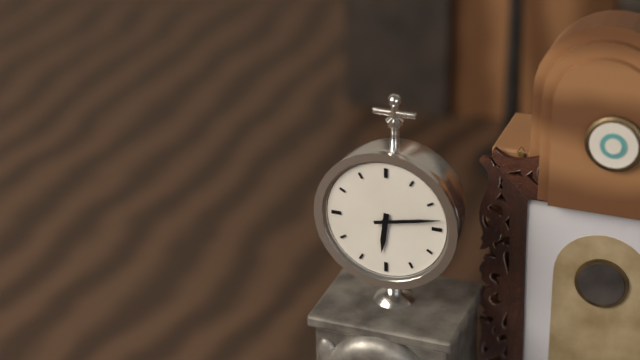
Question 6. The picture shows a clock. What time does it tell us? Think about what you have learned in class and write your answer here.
6:13
